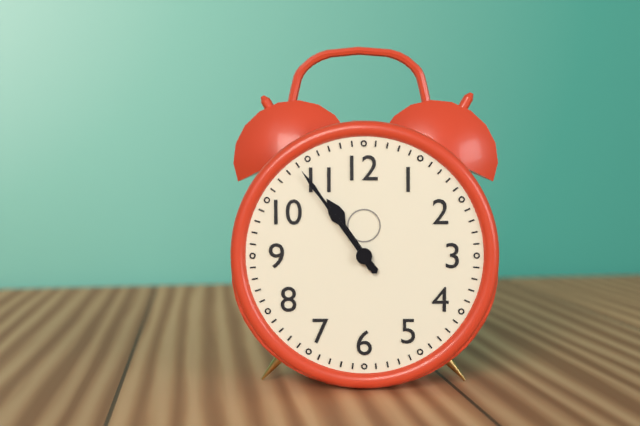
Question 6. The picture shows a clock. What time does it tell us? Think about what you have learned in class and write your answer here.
10:54
